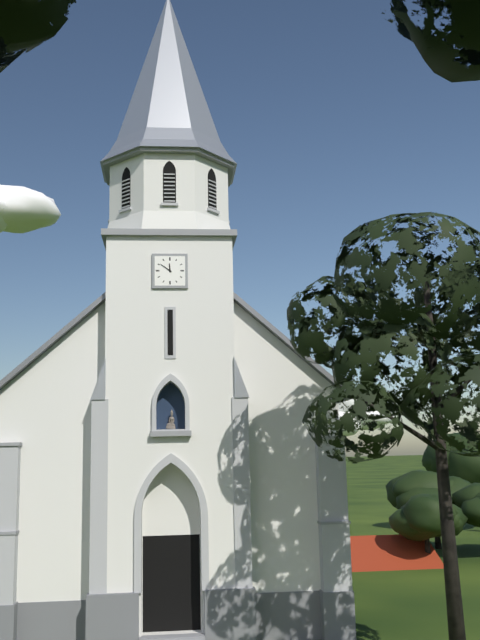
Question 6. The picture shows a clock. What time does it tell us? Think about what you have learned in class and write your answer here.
11:51
